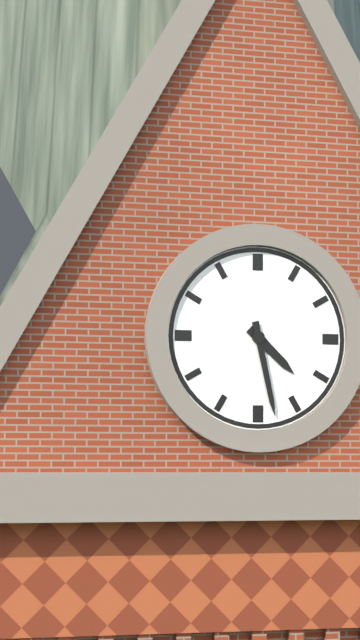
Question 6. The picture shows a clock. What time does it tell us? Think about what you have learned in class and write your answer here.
4:28
